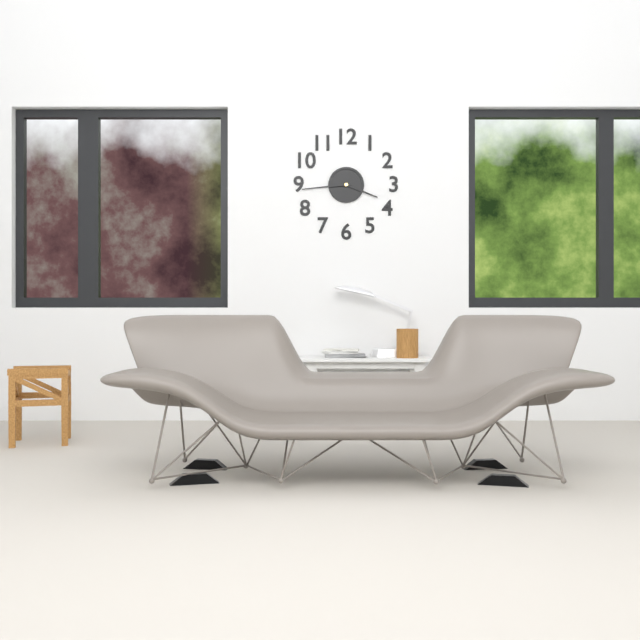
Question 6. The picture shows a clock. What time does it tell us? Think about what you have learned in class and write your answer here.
3:44
